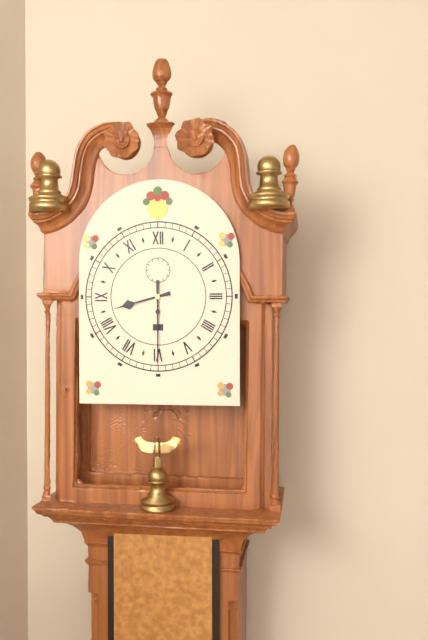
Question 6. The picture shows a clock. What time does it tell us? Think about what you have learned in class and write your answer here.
8:30
